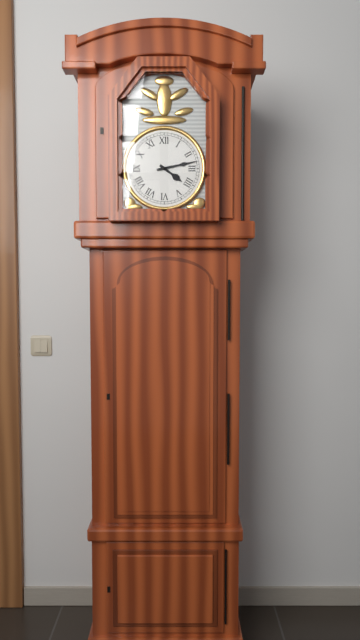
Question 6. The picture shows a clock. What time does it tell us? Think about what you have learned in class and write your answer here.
4:13
